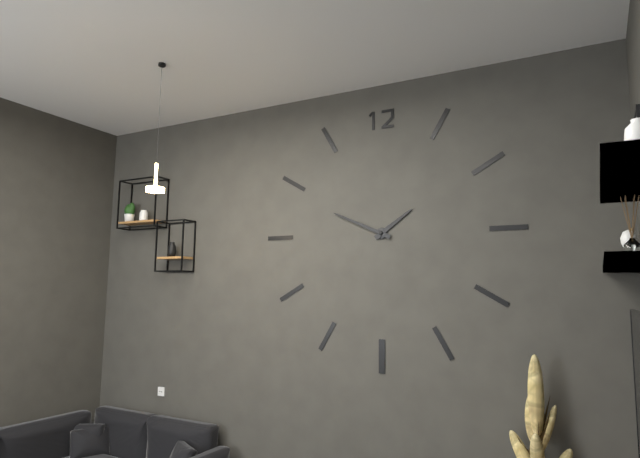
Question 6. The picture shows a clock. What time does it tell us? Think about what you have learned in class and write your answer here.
1:49
